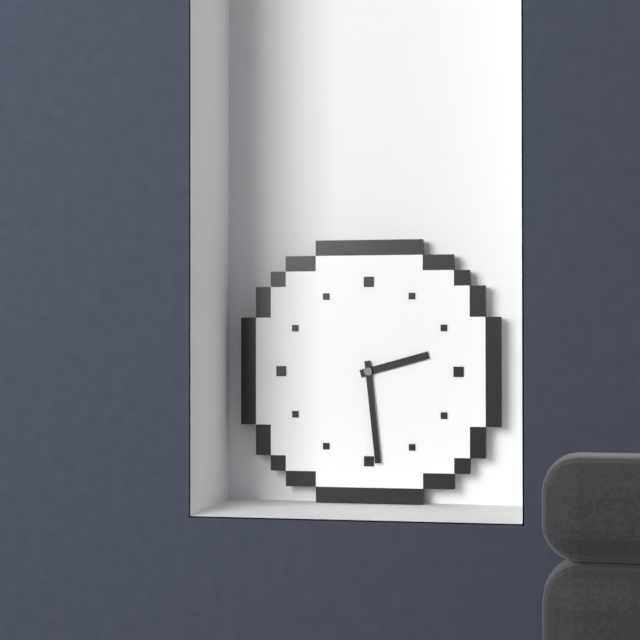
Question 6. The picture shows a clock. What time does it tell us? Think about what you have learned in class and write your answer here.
2:29
